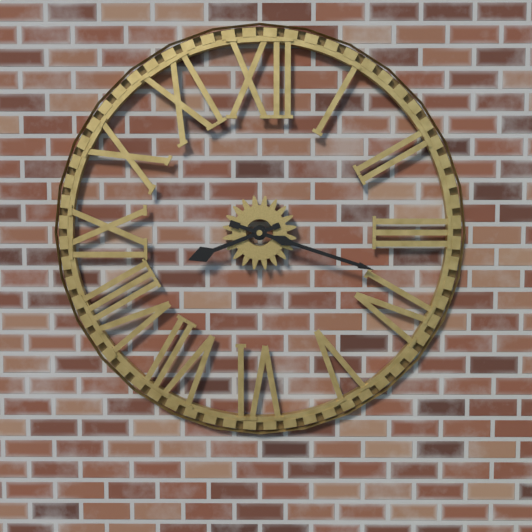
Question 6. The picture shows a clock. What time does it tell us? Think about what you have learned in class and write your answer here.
8:18
